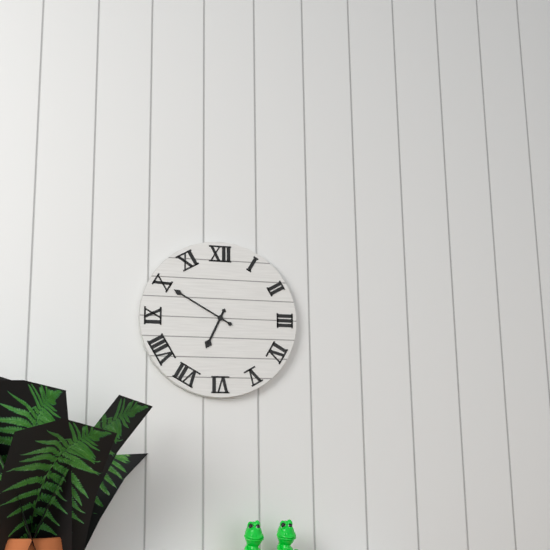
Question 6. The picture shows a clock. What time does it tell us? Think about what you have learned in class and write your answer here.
6:50
